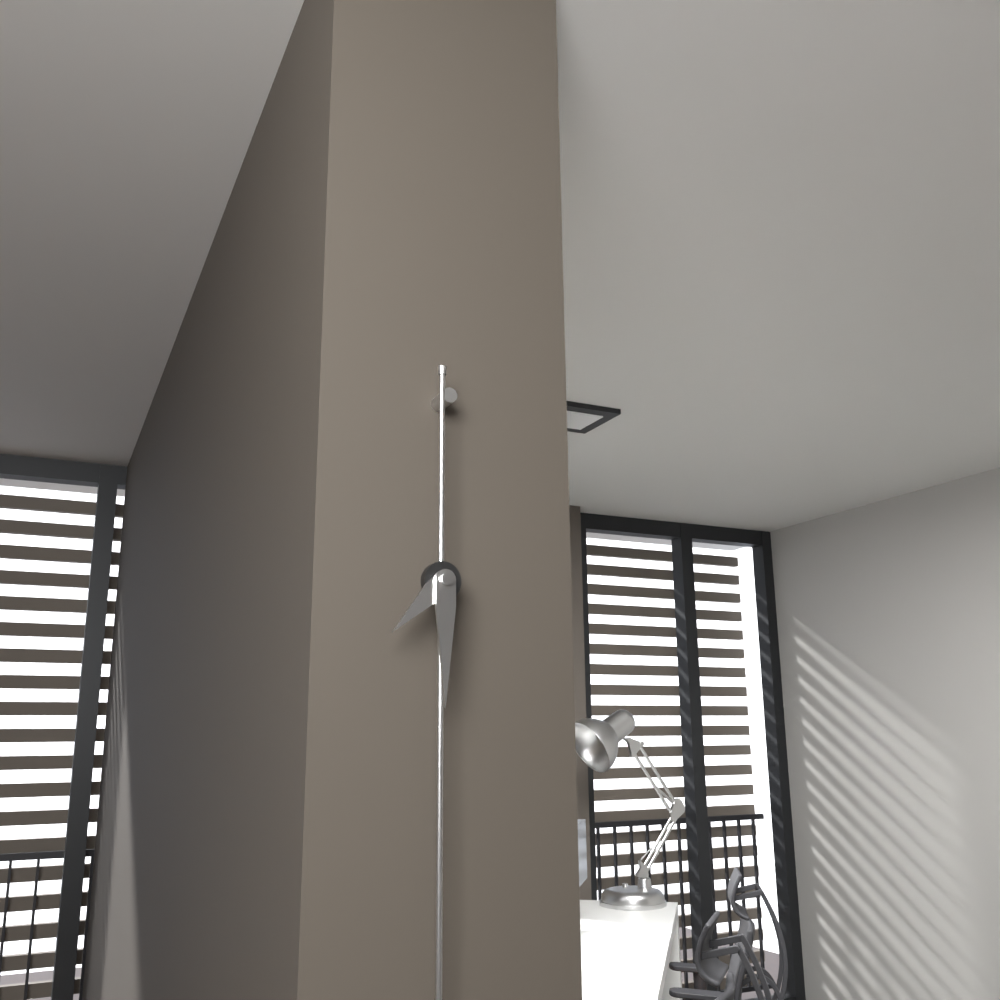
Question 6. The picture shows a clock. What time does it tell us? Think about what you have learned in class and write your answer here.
7:30
